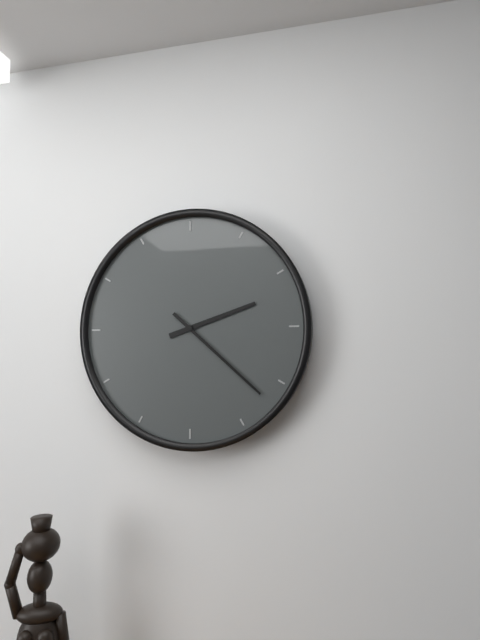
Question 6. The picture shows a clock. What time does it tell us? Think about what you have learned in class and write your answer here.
2:22
